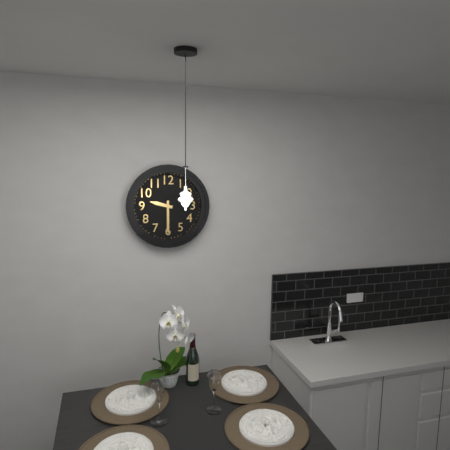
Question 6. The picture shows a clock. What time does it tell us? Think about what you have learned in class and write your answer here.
9:30
